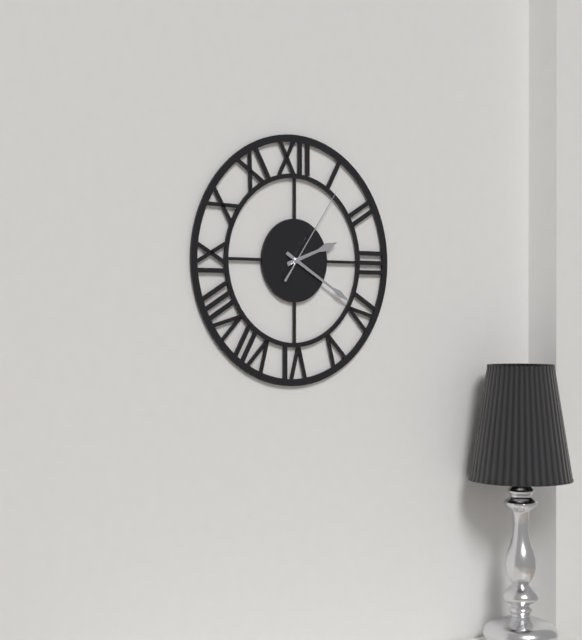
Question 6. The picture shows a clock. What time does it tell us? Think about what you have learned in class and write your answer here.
2:20:06
